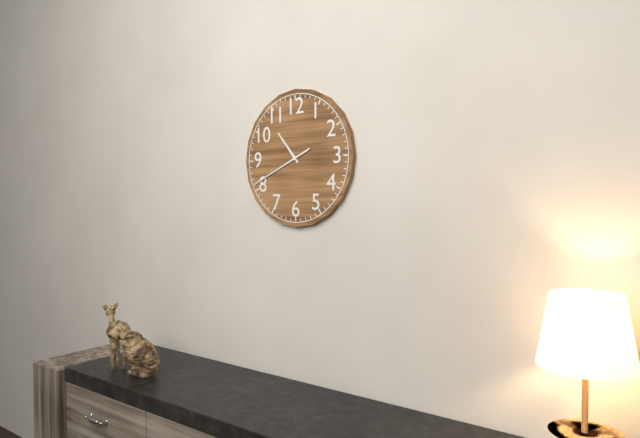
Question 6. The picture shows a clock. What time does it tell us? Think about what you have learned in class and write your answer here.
10:41
